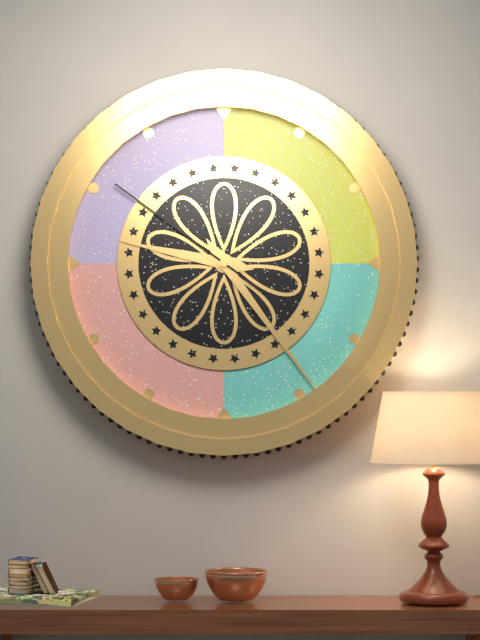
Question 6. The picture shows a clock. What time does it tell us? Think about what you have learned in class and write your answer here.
9:24:51
